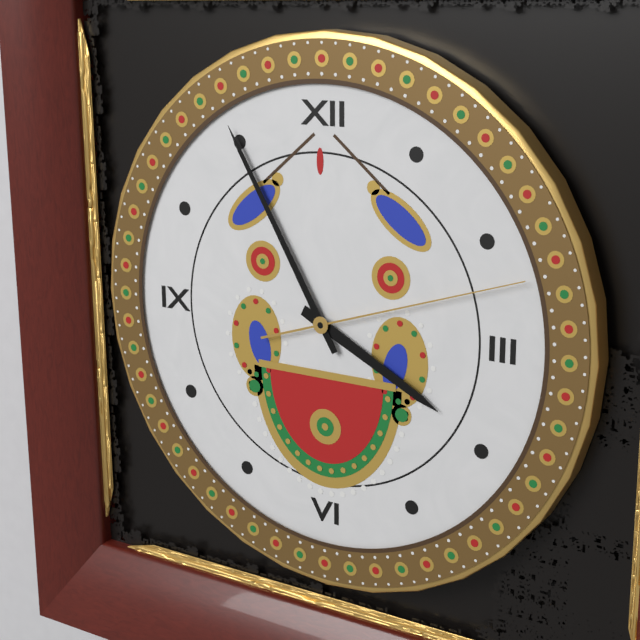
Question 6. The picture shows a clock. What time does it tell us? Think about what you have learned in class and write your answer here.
3:55:12
